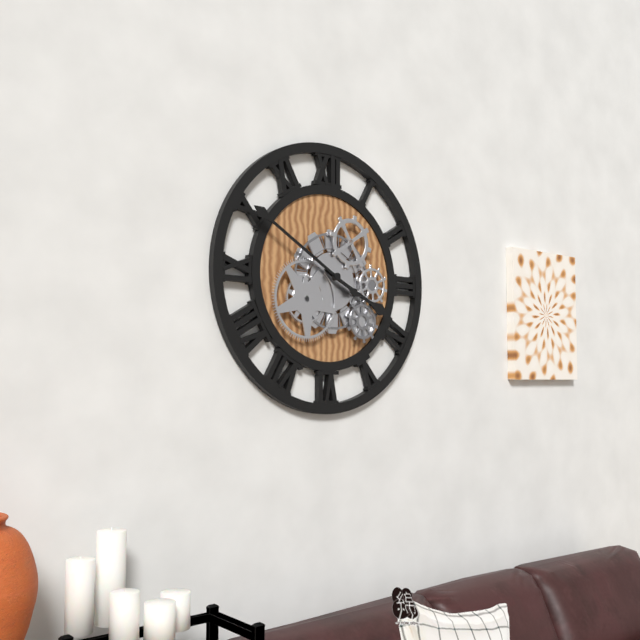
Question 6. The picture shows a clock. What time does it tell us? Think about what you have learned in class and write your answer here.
3:50
